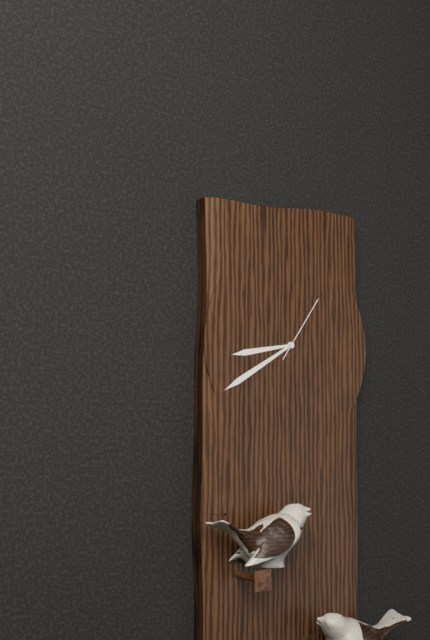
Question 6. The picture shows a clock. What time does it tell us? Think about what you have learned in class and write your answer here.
8:40:06
